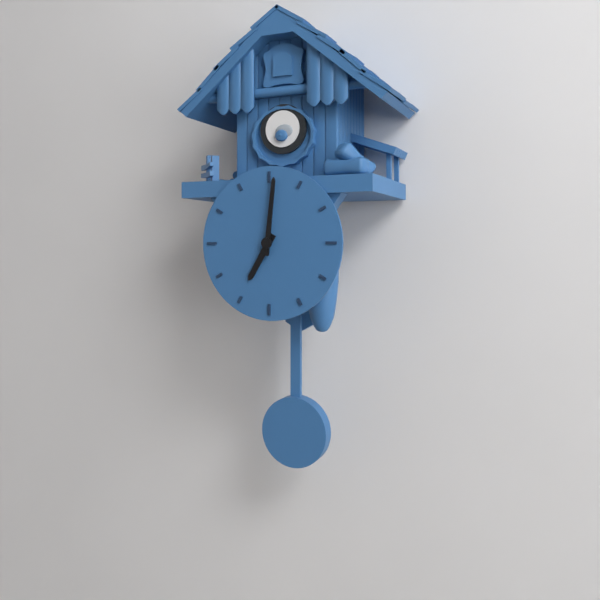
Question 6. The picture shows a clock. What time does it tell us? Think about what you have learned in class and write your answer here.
7:01
